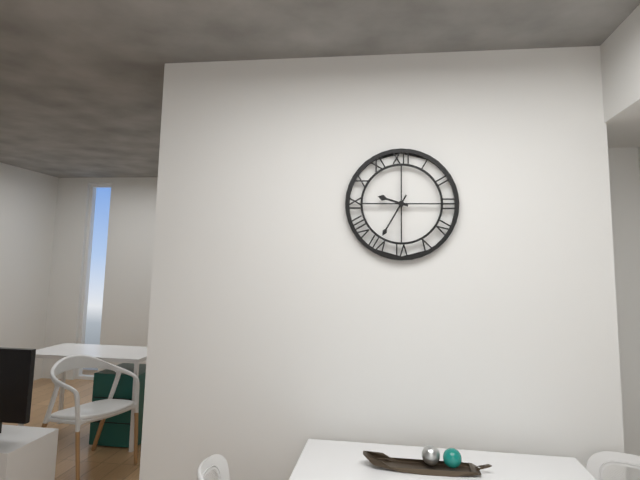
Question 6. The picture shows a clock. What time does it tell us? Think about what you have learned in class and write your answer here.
9:35
